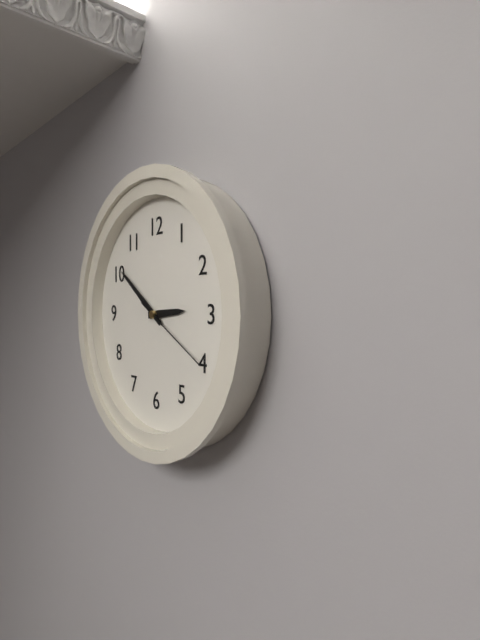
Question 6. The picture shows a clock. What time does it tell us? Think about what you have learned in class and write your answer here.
2:51:20
